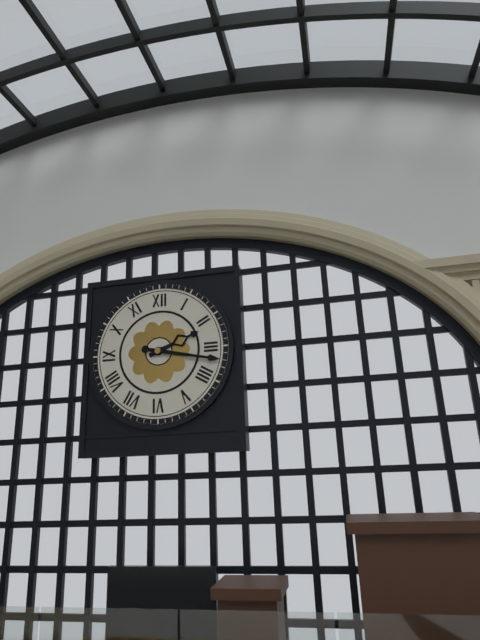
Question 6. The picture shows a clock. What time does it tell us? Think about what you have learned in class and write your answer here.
2:17
